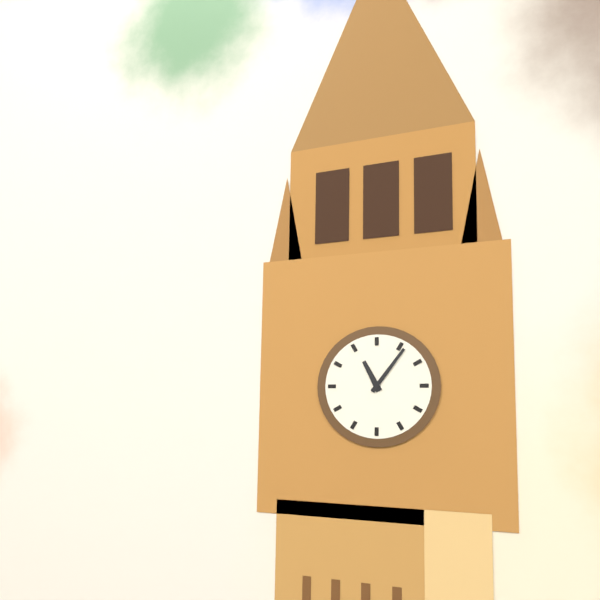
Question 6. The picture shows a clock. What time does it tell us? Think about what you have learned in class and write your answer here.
11:06
